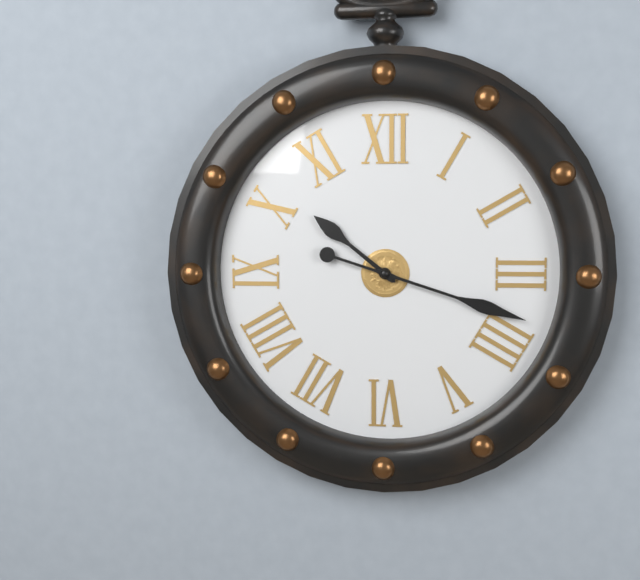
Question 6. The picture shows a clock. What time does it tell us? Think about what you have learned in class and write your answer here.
10:18
